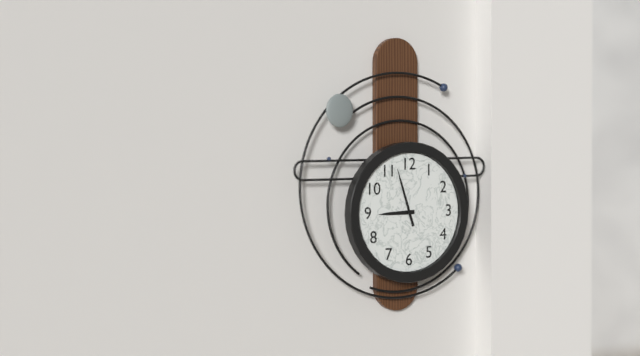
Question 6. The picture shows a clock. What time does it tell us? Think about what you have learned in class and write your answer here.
8:57
